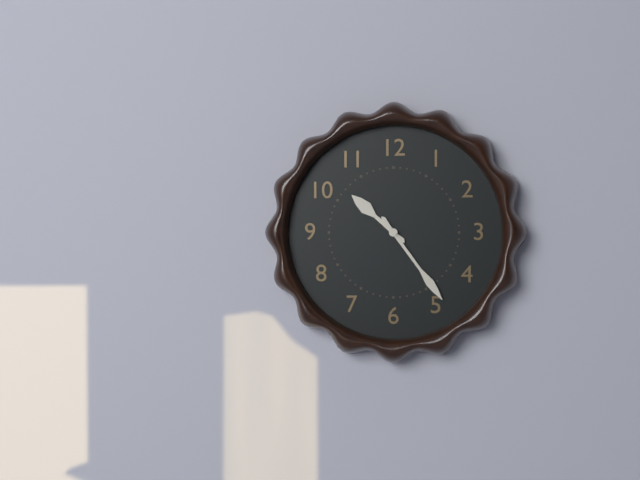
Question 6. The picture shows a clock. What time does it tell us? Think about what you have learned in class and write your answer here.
10:24
